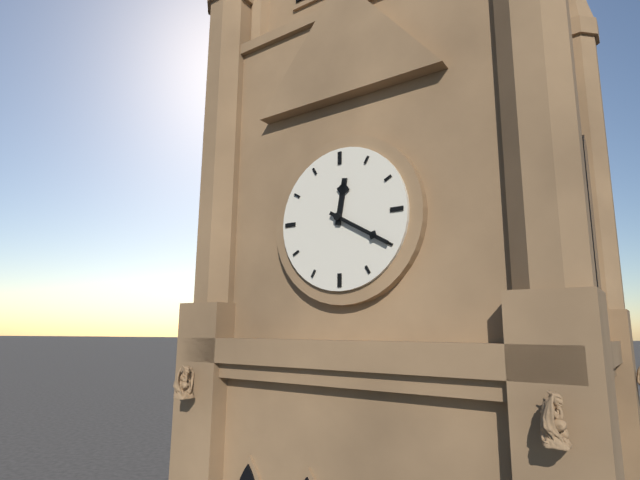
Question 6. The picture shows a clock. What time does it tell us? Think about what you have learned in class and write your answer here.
12:20
